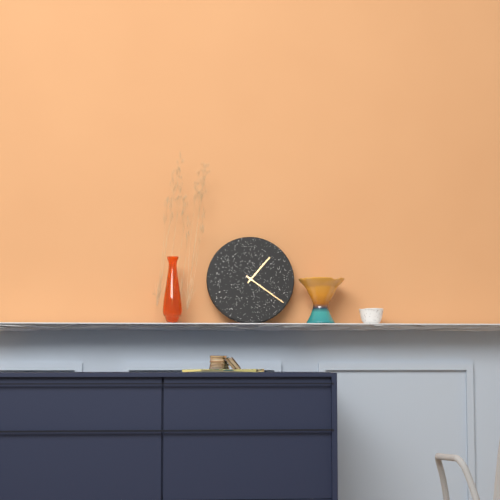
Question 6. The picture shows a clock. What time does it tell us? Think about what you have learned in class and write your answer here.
1:21
